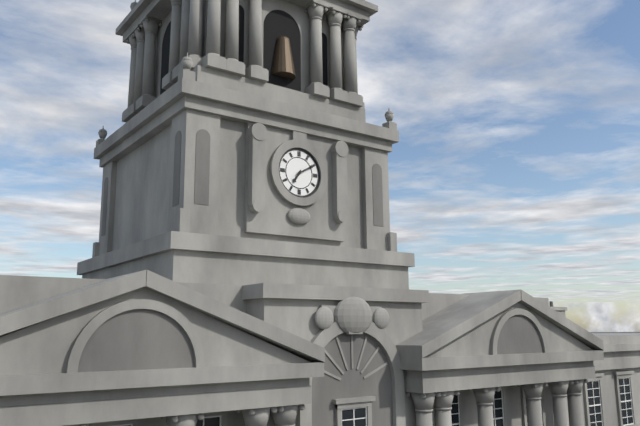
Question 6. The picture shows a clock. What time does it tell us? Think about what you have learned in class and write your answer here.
7:10
